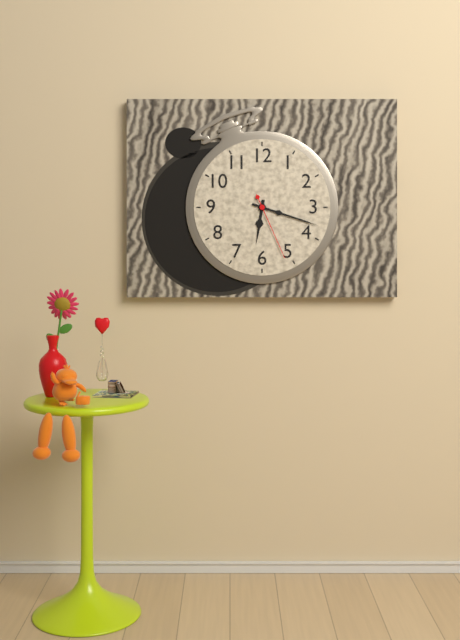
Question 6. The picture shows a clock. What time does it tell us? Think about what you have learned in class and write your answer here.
6:18:26
